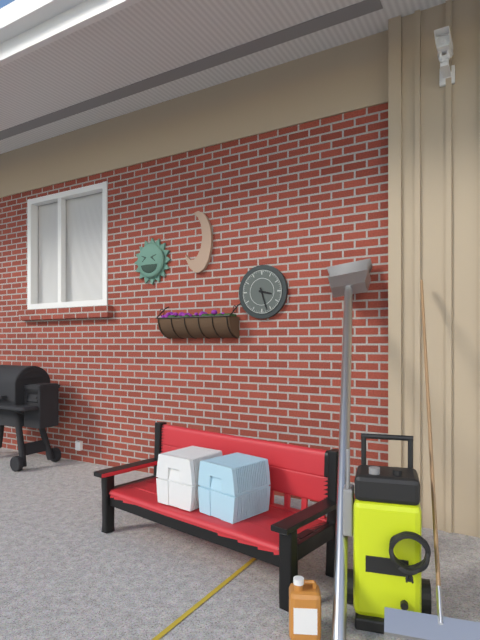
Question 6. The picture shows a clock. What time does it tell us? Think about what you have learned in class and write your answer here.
3:27
